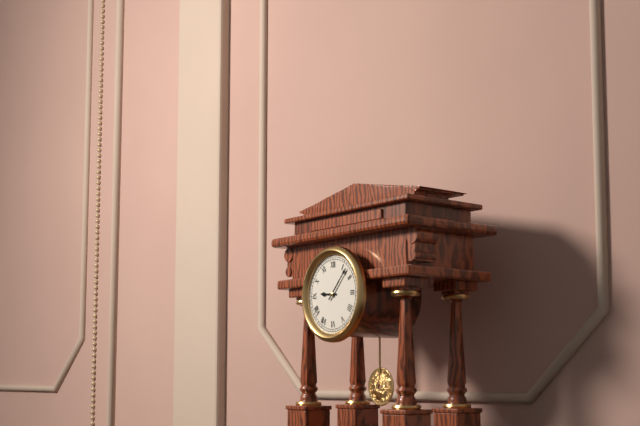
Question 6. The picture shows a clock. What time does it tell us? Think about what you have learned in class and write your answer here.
9:07
